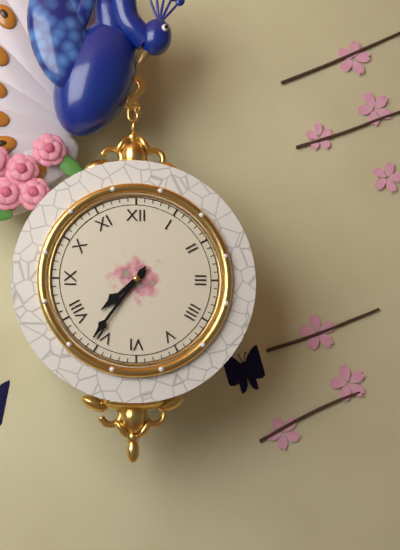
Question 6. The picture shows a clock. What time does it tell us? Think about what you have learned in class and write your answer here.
7:36
